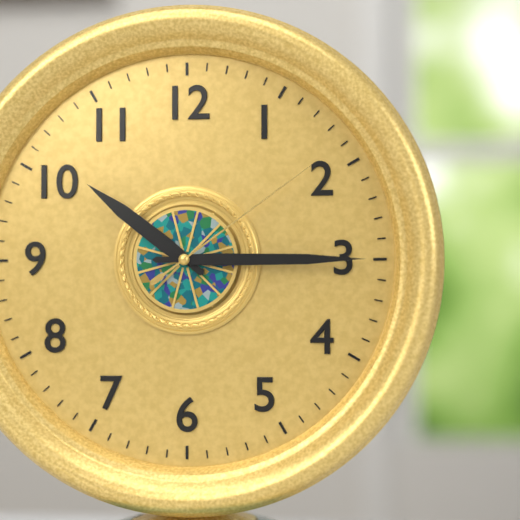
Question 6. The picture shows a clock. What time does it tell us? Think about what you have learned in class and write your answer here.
10:15:09
